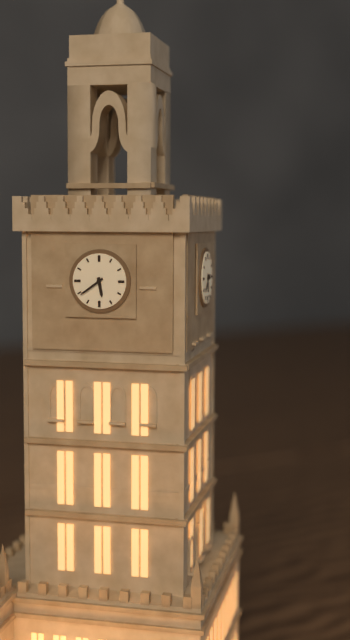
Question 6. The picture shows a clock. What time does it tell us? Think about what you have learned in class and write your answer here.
5:39
